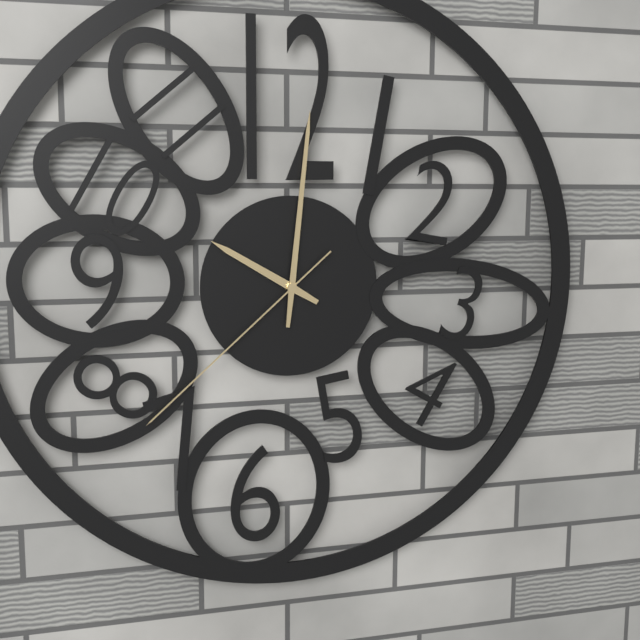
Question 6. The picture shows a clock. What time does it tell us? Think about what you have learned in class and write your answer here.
10:01:38
